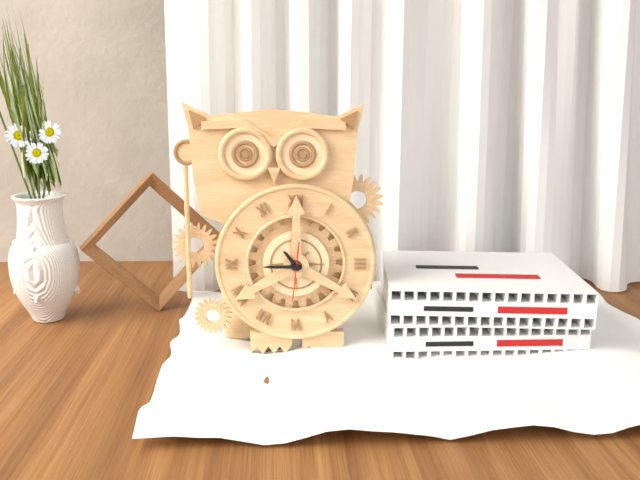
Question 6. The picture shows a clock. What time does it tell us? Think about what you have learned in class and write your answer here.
10:45
